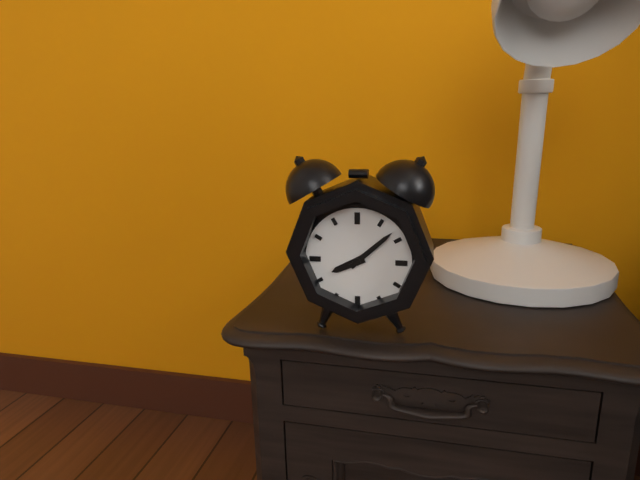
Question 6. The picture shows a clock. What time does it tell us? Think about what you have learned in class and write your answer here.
8:08
